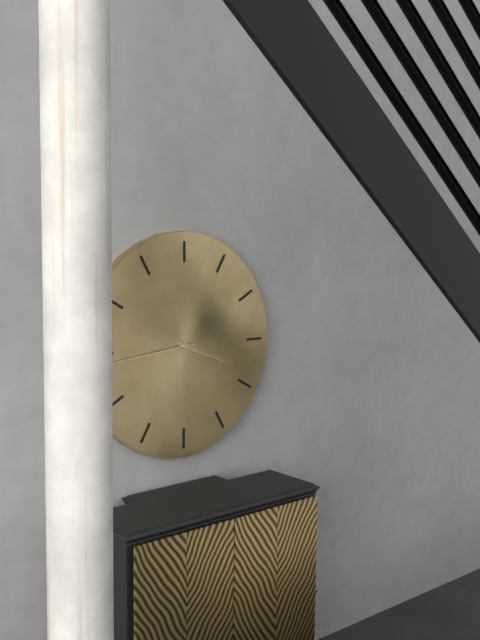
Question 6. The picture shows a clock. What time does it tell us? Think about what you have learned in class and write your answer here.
3:44
